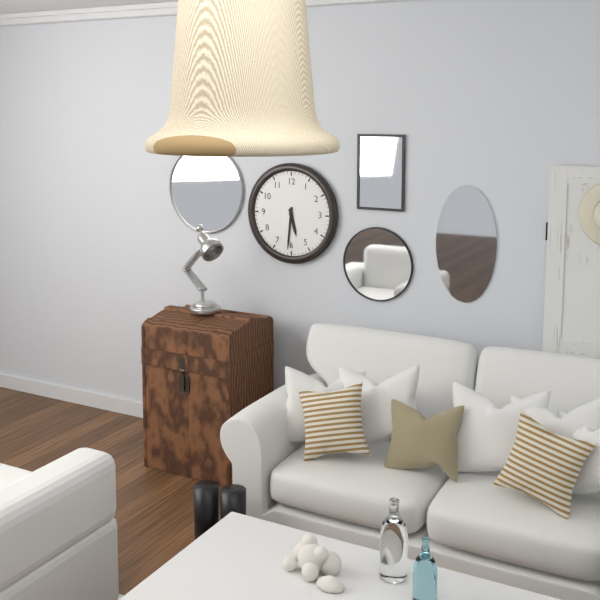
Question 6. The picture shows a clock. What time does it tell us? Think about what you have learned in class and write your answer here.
5:31
